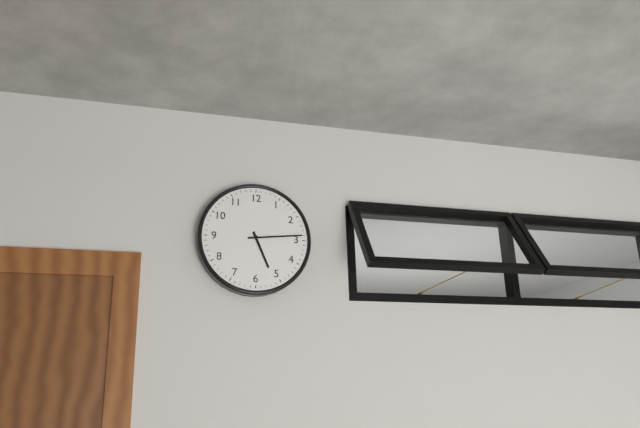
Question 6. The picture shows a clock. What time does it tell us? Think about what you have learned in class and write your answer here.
5:14
